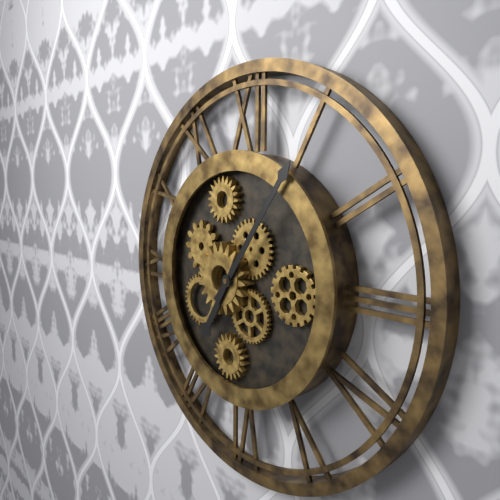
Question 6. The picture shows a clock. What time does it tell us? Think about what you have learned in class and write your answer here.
7:06
